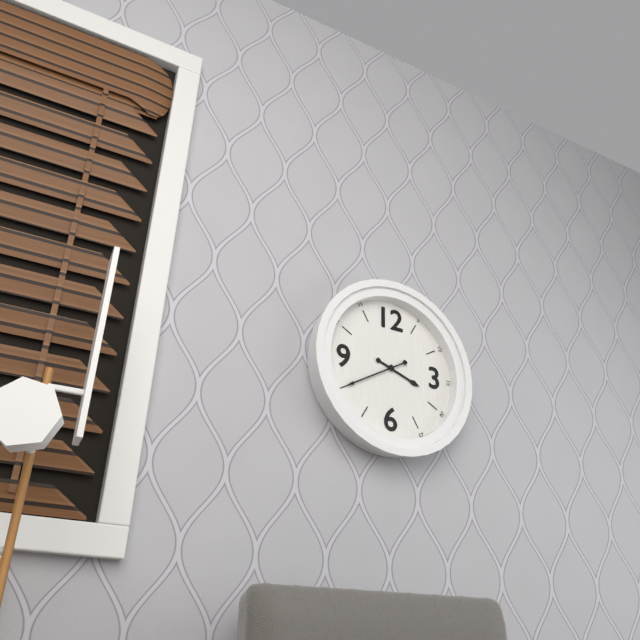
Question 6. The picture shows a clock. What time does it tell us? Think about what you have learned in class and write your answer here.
3:40
